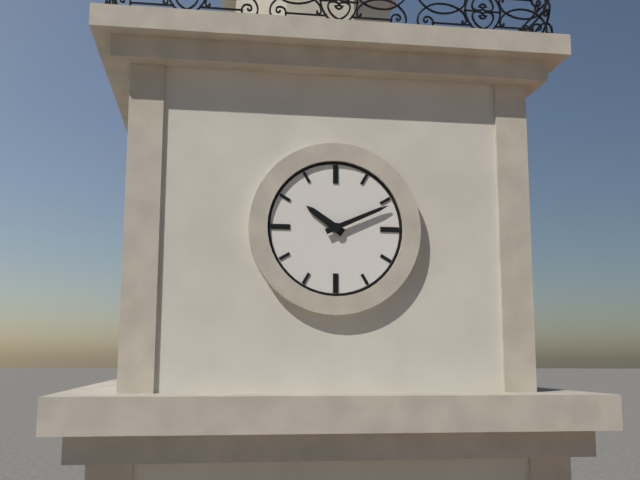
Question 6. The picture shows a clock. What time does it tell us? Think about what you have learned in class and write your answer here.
10:11
